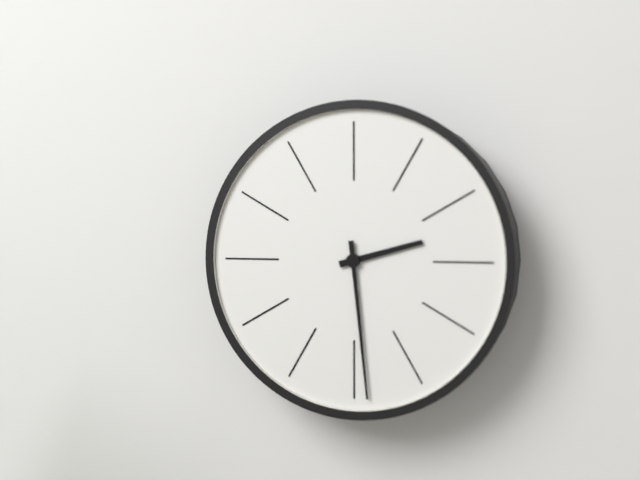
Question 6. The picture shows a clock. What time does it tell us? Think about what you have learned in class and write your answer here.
2:29
